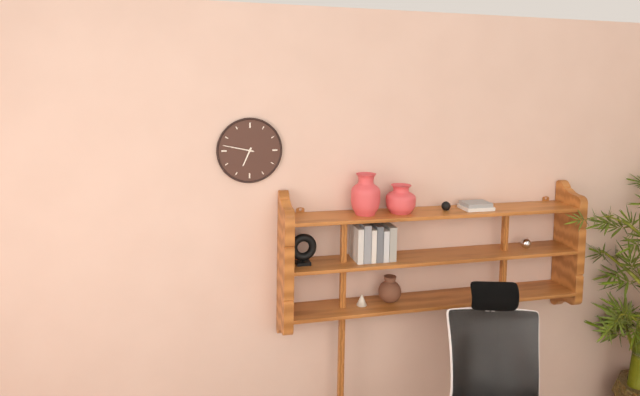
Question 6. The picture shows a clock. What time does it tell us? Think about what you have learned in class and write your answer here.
6:47
